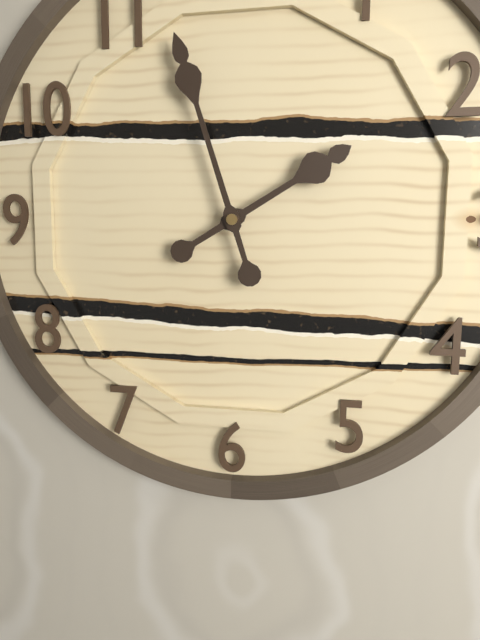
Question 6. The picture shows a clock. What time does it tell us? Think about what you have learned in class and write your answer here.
1:57
